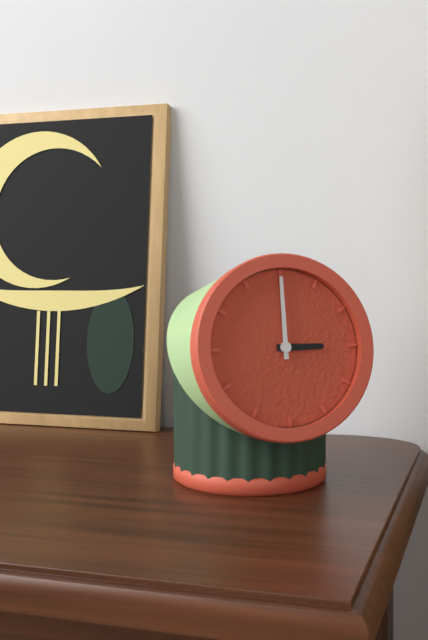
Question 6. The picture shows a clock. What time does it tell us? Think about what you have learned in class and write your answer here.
3:00
